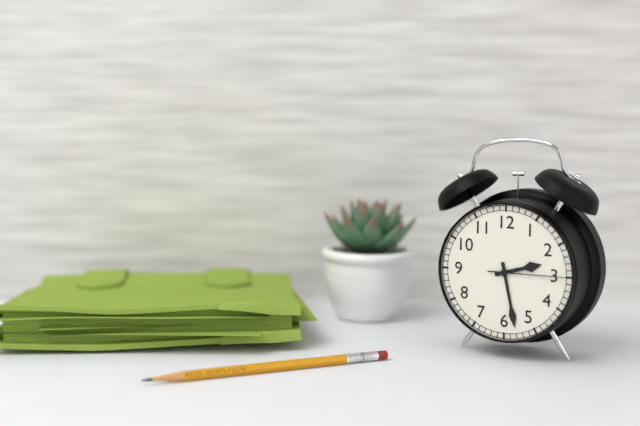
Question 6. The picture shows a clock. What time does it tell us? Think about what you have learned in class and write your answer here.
2:28:15
